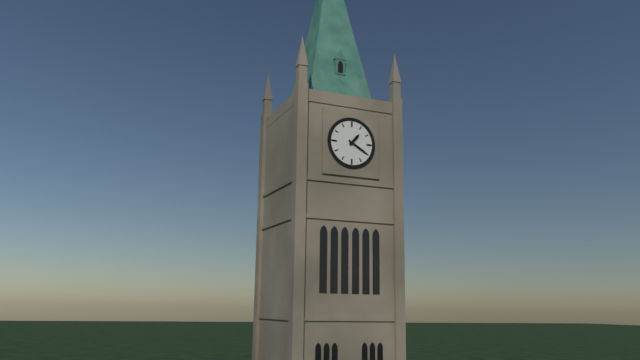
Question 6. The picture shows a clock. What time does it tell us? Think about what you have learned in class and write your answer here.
1:20
